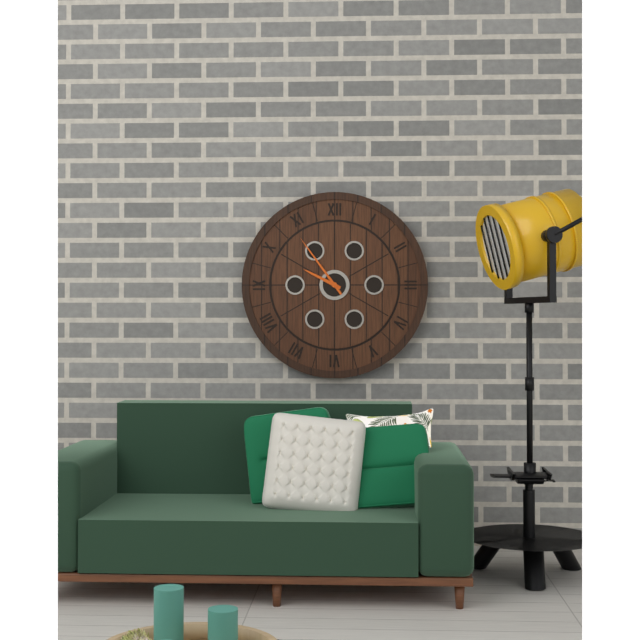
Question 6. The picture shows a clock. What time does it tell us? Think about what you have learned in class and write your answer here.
9:54
